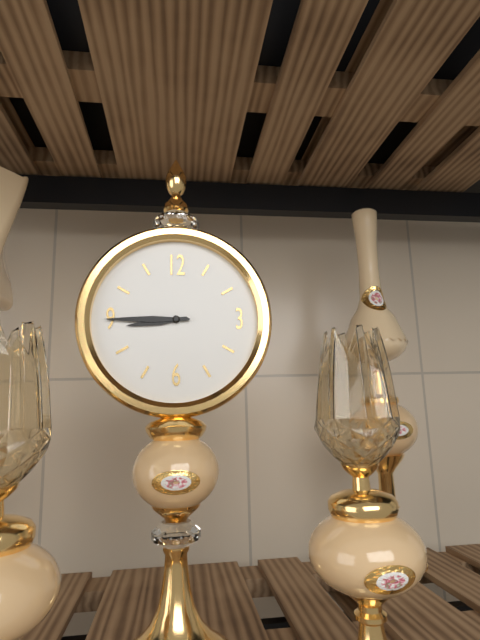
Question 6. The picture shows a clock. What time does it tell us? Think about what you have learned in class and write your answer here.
8:45
